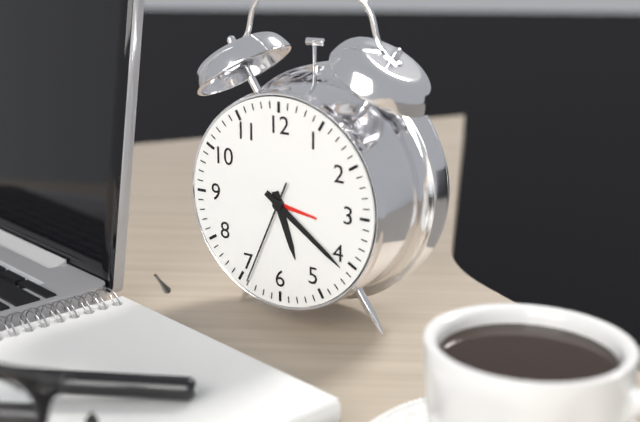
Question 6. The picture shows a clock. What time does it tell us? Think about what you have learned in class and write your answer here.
5:21:34
